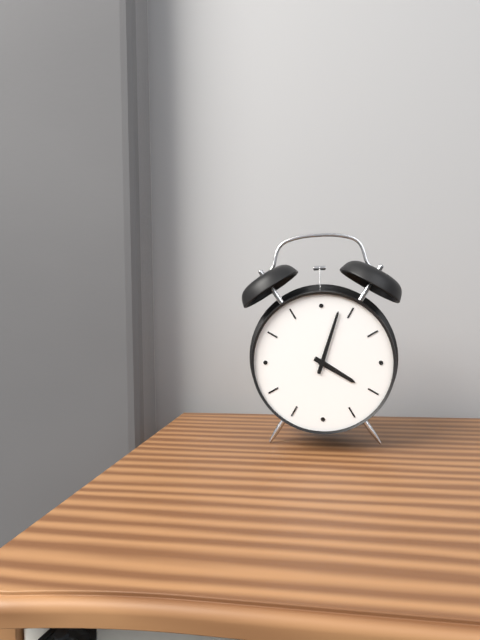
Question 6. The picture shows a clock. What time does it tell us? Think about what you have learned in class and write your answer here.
4:03
